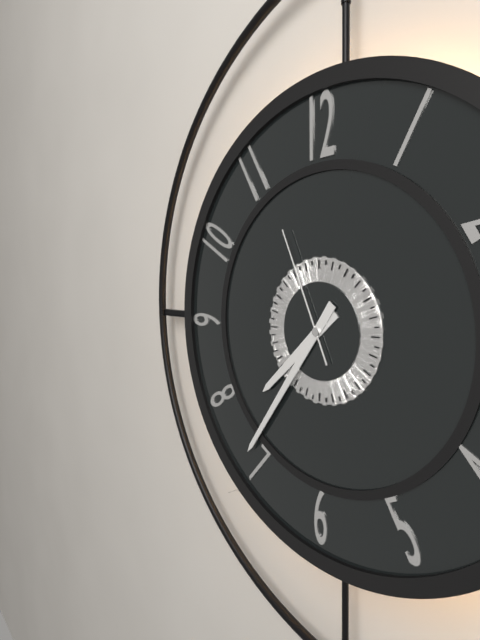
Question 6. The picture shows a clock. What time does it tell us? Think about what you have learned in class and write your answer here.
7:36:56
